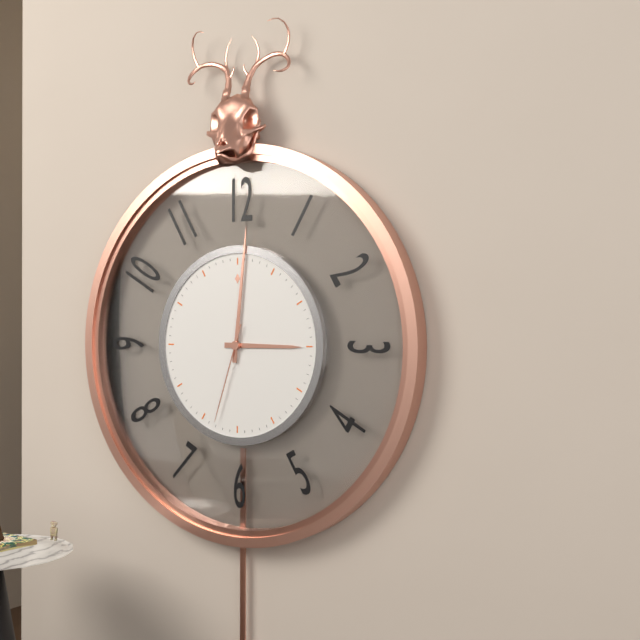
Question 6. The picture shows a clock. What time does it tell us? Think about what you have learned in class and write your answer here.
3:01:33
